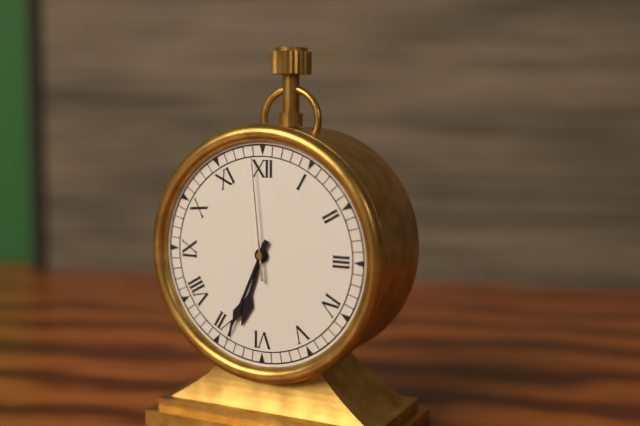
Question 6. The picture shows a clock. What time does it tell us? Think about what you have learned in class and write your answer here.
6:34:59
